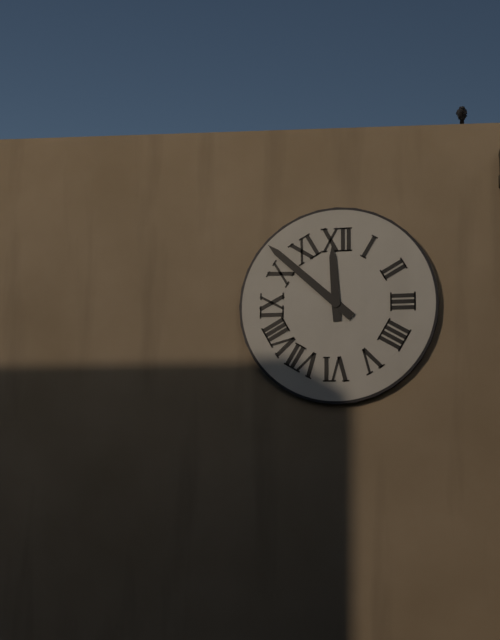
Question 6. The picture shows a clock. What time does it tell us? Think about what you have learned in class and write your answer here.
11:52
